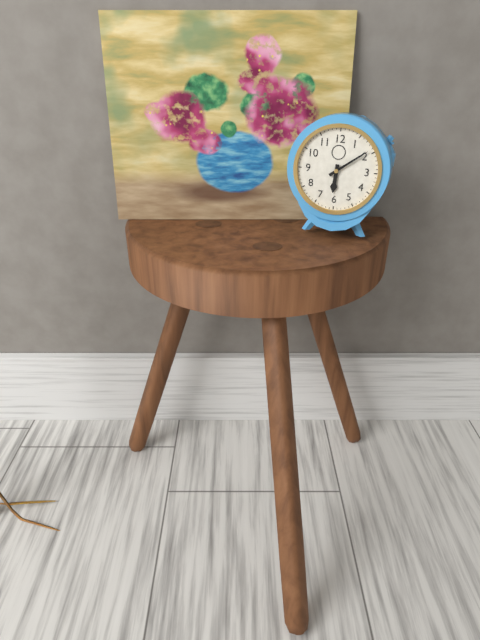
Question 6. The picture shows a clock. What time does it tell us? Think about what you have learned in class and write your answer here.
6:09
